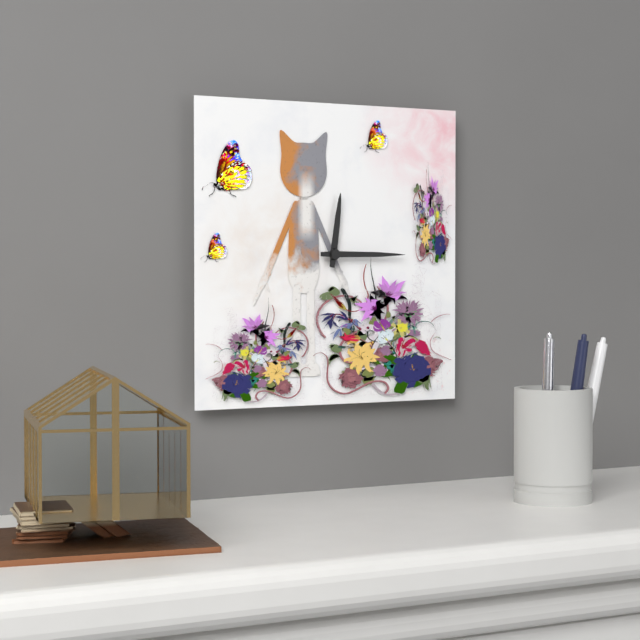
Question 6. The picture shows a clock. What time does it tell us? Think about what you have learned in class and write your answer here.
12:15
